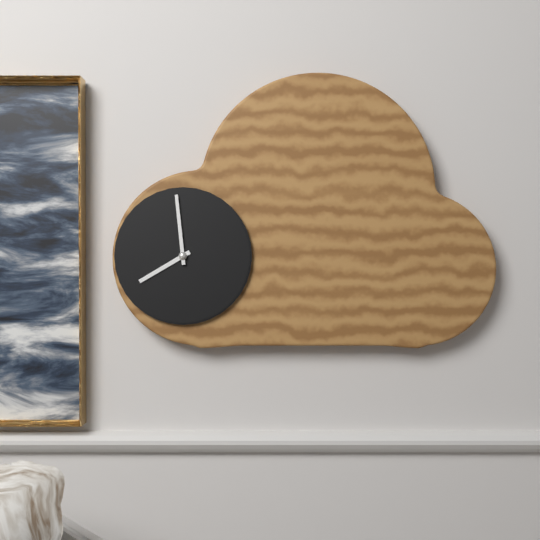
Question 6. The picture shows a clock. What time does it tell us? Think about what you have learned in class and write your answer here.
7:59
